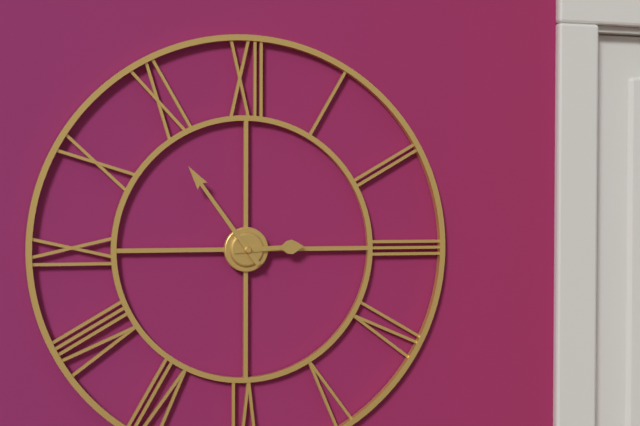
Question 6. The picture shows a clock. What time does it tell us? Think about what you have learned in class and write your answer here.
2:54
